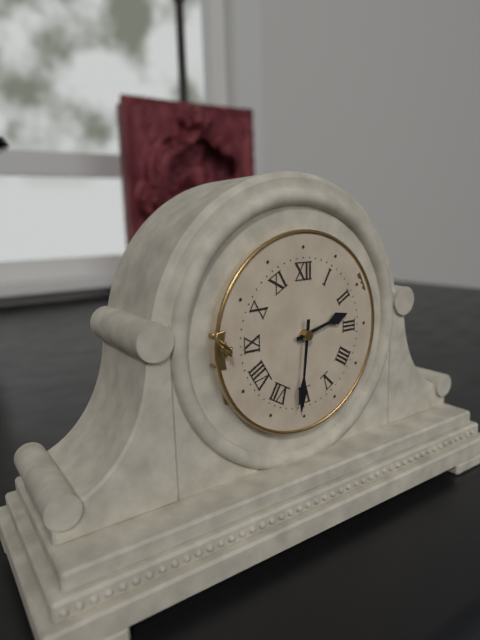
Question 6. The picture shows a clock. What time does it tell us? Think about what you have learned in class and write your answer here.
2:31
